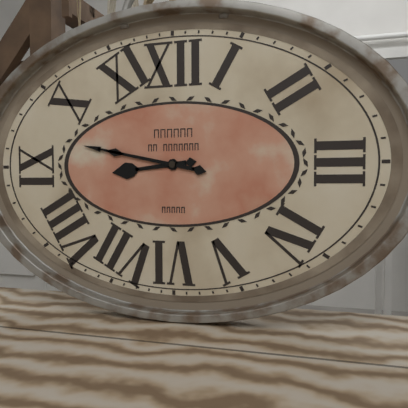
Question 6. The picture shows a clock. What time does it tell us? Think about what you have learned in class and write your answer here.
8:47
